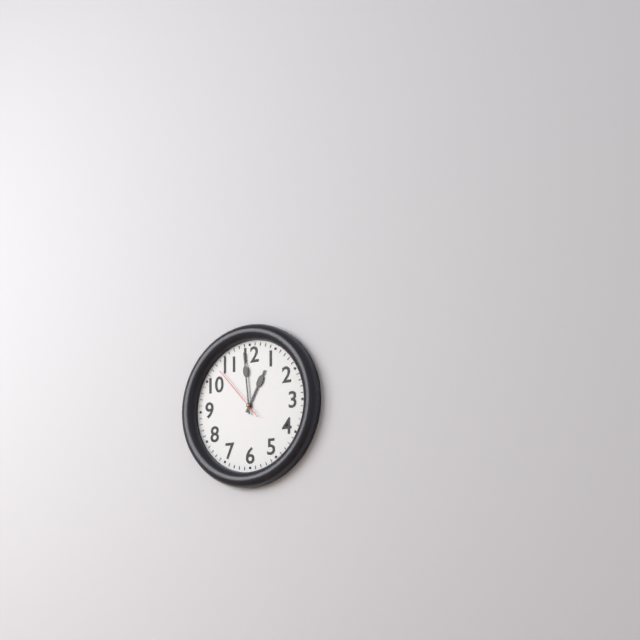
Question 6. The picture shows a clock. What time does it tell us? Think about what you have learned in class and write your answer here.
12:59:53
